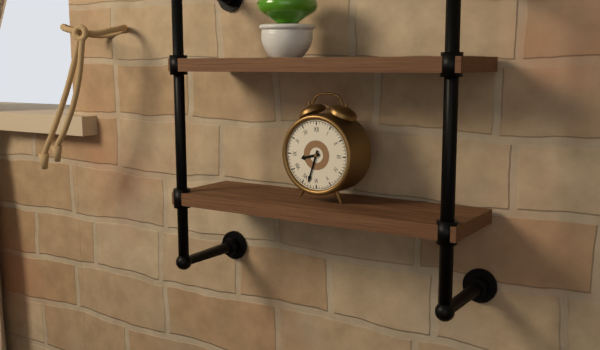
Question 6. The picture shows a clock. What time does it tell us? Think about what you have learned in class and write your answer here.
8:33
